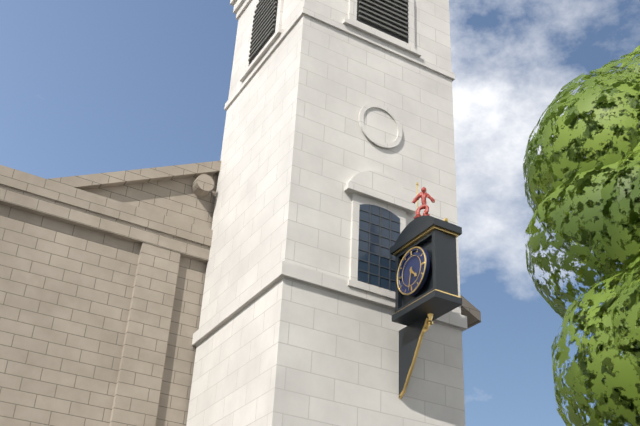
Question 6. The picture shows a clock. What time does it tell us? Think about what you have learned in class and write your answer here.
4:32
